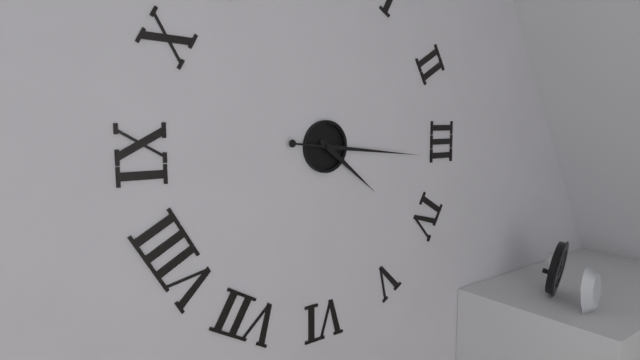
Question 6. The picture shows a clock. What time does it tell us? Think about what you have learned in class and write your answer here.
4:16
